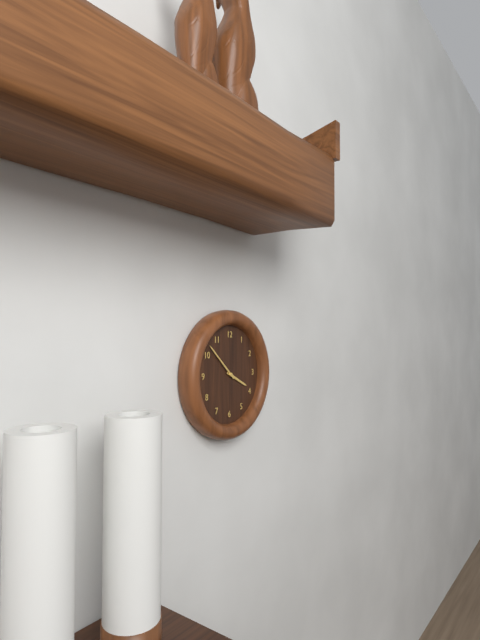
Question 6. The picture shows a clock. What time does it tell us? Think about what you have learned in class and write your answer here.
3:52
